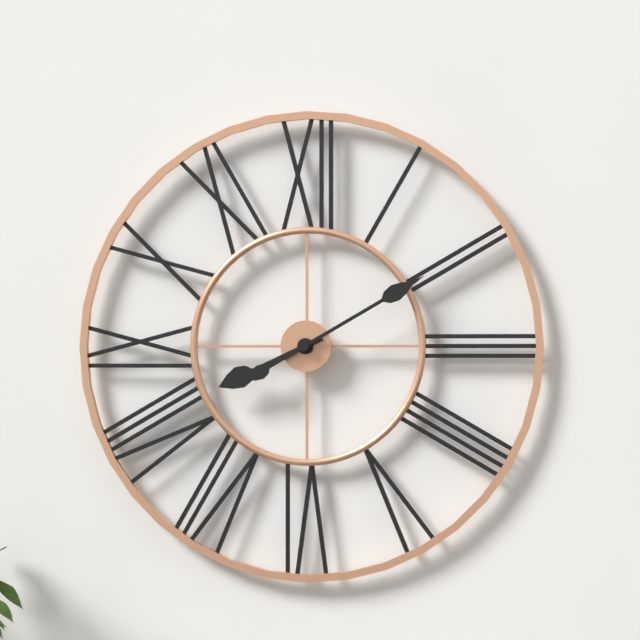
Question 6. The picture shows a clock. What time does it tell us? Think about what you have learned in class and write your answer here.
8:10
